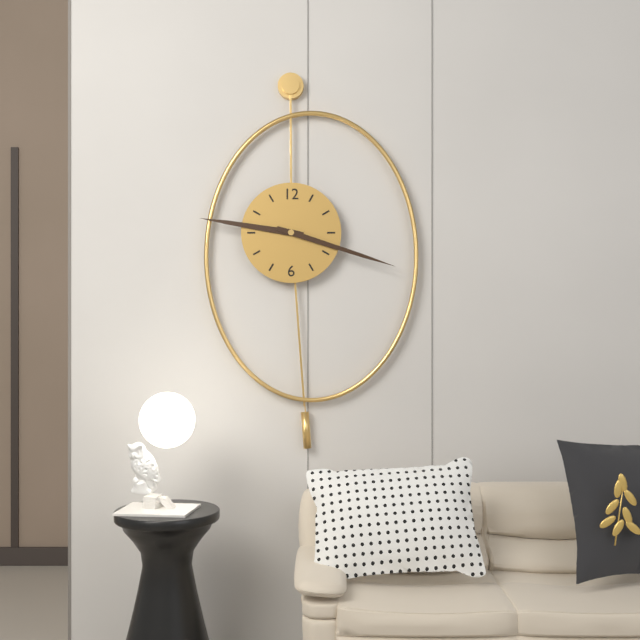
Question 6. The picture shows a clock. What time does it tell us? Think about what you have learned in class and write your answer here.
9:18
